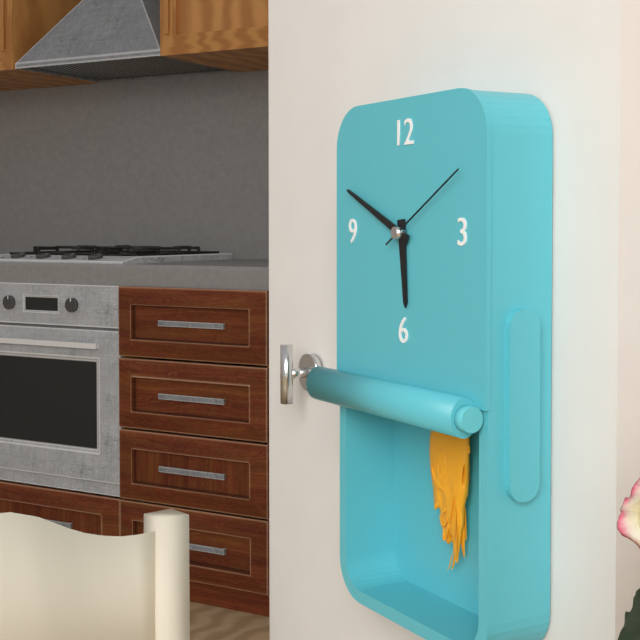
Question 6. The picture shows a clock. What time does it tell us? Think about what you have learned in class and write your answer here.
5:49:10
